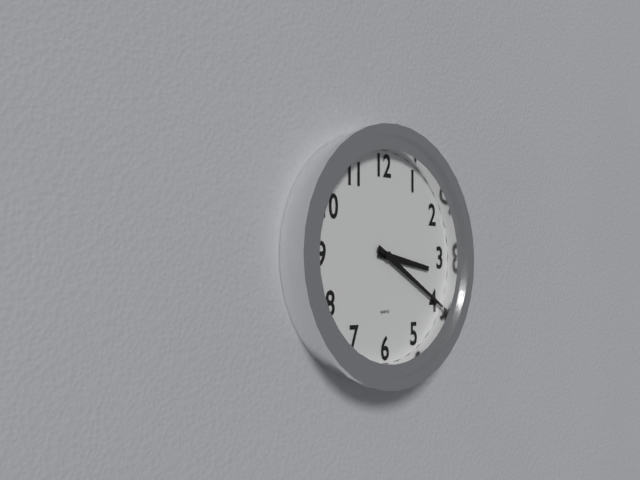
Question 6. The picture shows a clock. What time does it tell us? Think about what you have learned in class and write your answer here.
3:20
